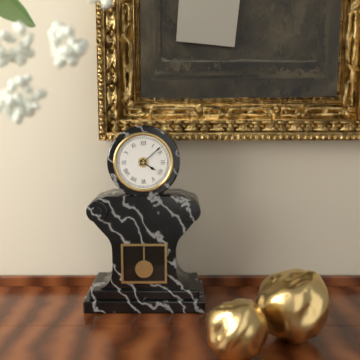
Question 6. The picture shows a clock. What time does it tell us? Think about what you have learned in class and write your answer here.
4:08
